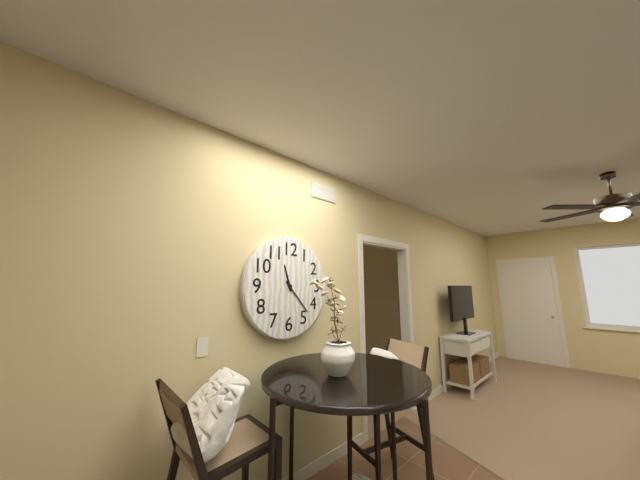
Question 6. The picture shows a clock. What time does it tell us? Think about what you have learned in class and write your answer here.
11:23
